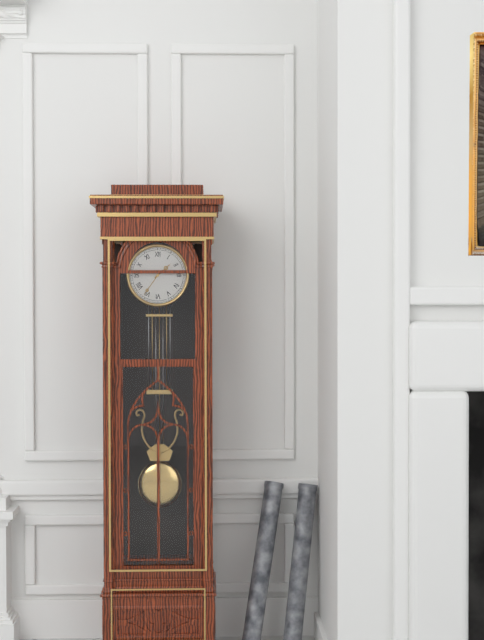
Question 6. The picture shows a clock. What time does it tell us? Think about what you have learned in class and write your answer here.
1:36
